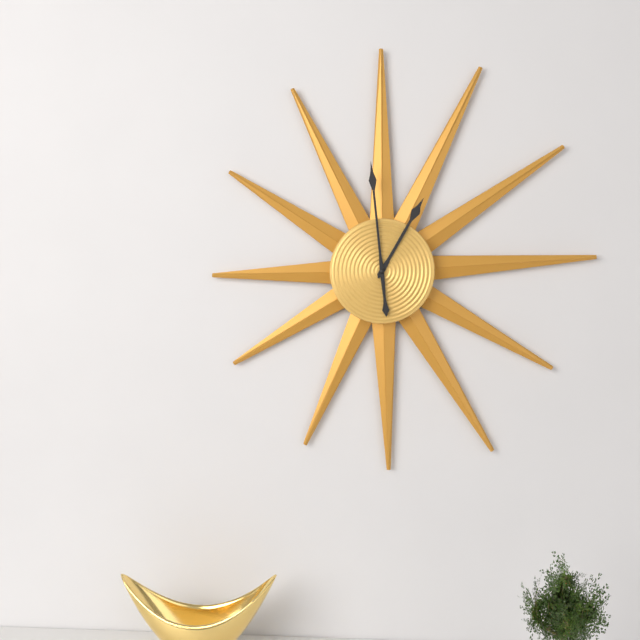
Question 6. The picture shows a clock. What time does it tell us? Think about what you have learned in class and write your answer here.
12:59
